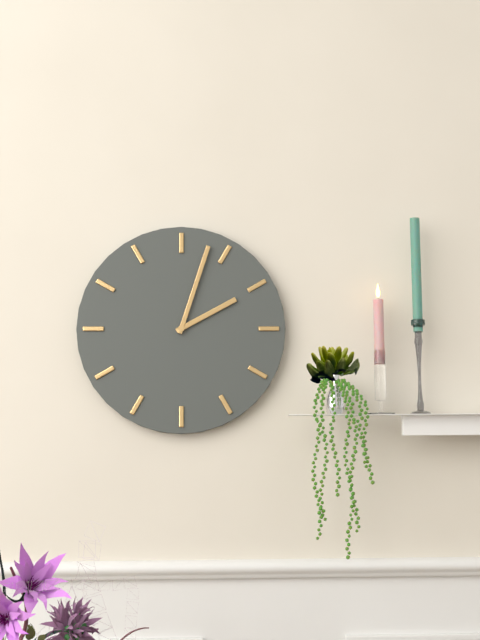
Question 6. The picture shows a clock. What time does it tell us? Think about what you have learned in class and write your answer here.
2:03
